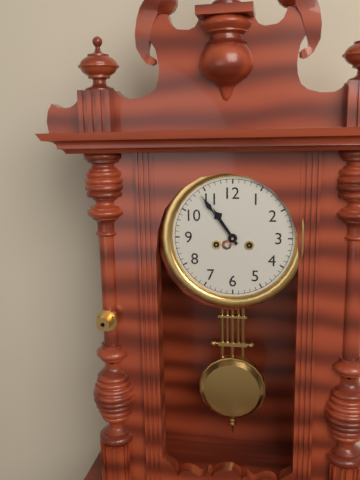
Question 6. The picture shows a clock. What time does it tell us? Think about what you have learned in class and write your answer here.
10:54
